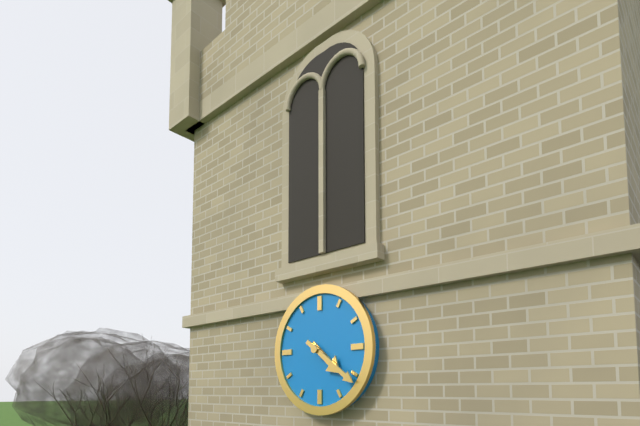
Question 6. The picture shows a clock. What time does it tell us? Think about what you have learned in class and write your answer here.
4:21
